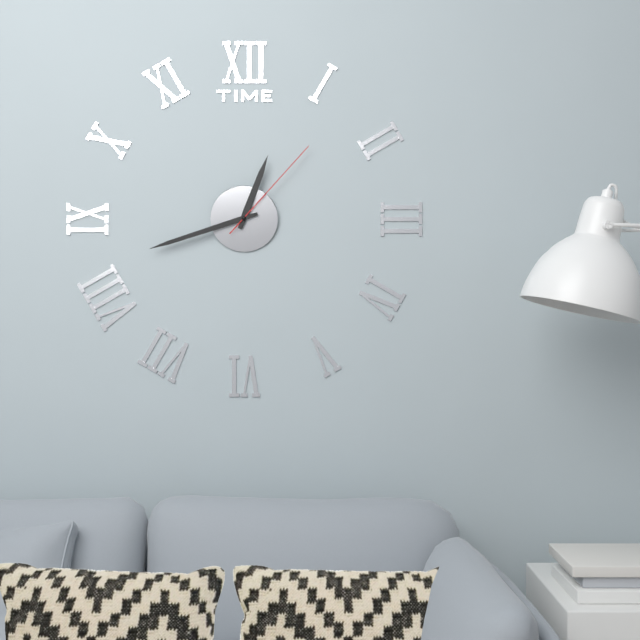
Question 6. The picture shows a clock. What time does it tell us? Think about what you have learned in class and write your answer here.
12:42:07
